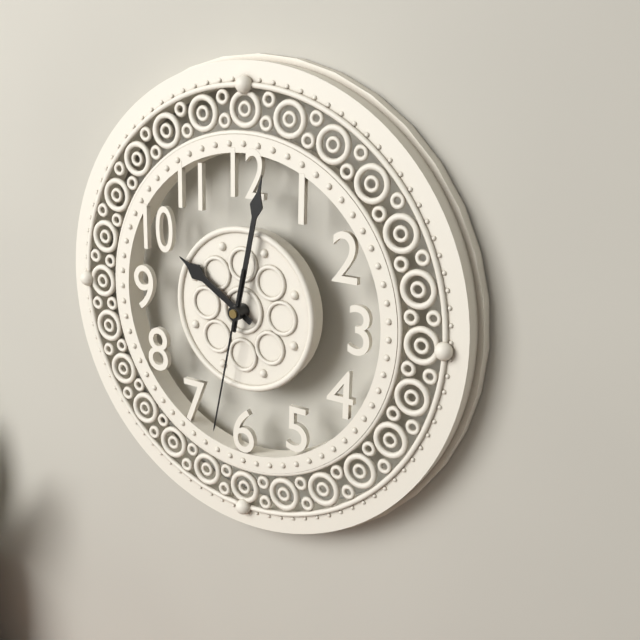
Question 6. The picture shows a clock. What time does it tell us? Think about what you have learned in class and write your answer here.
10:02:32
